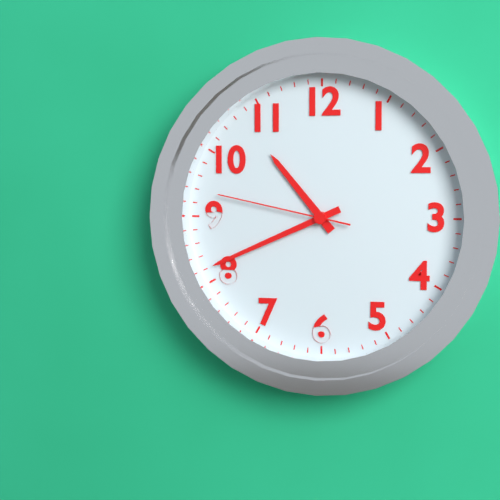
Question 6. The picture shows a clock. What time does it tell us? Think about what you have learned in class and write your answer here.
10:41:47
